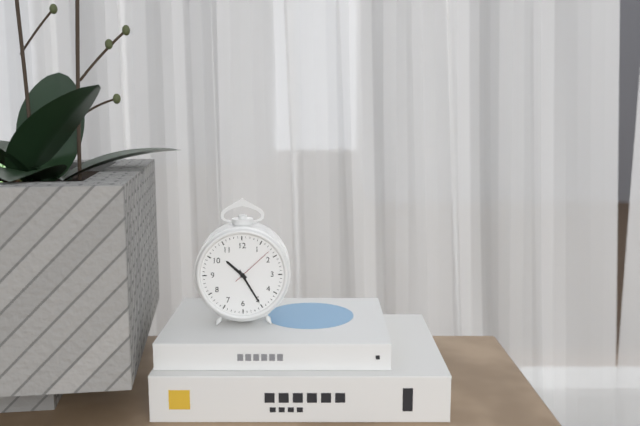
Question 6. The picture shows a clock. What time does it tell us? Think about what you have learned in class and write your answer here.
10:25
